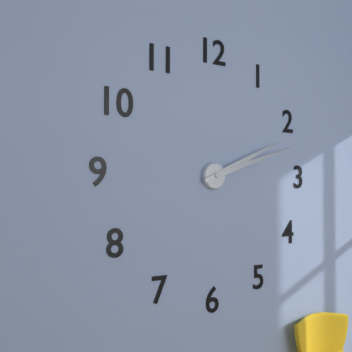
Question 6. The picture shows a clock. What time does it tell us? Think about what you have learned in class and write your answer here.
2:12
